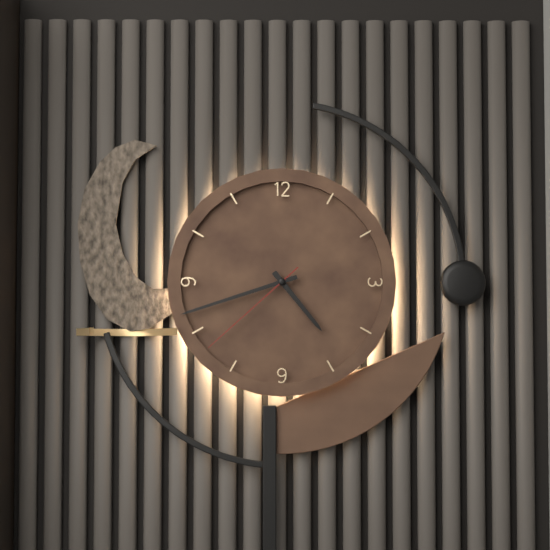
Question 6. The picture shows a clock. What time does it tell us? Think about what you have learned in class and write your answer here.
4:42:38
